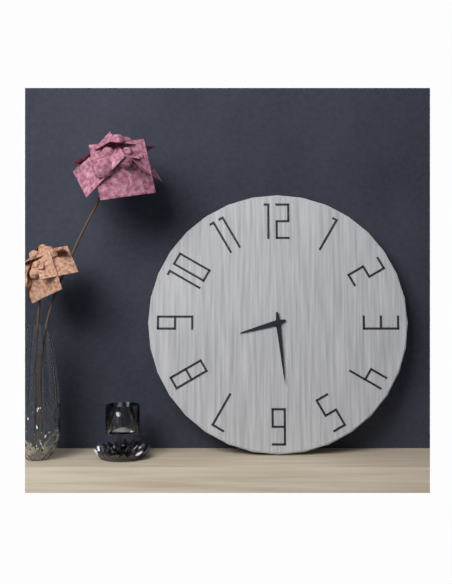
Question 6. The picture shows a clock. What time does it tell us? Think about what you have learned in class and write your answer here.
8:29
